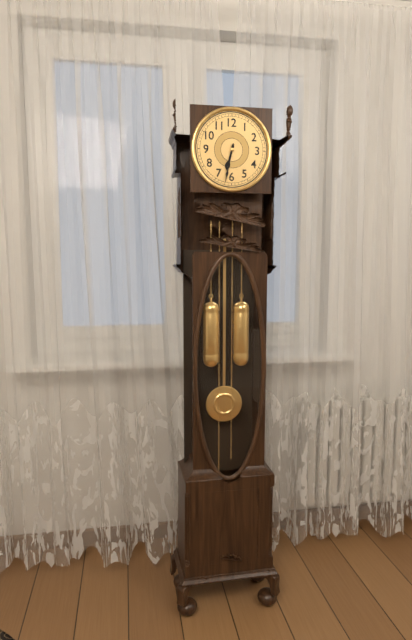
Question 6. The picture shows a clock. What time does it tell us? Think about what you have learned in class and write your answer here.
6:32
